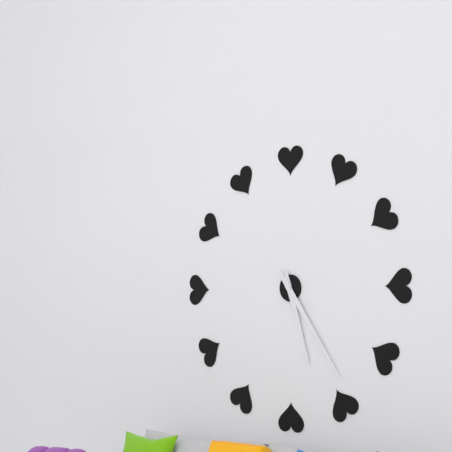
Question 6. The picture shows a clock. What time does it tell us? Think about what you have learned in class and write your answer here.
5:24
